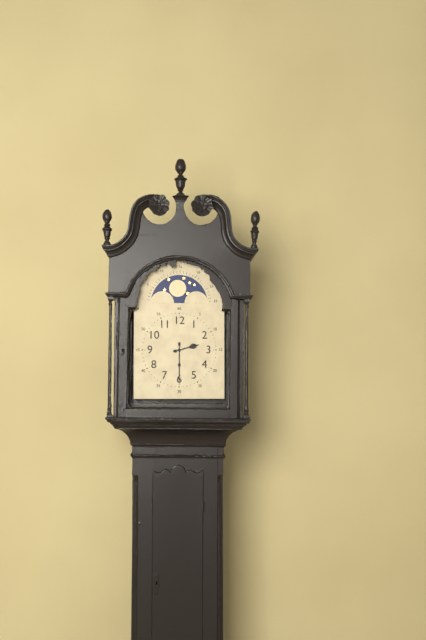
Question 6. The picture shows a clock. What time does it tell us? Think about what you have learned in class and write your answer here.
2:30
